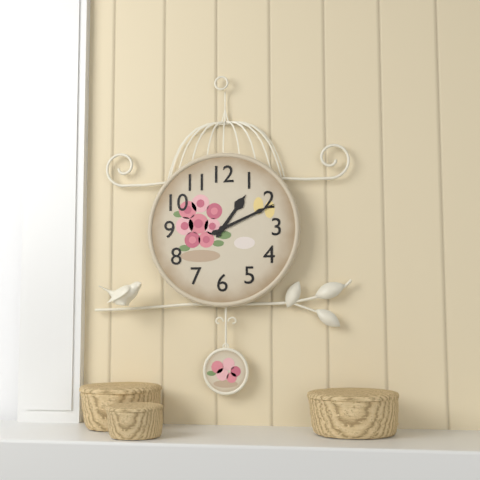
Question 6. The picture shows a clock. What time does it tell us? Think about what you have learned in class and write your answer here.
1:11
